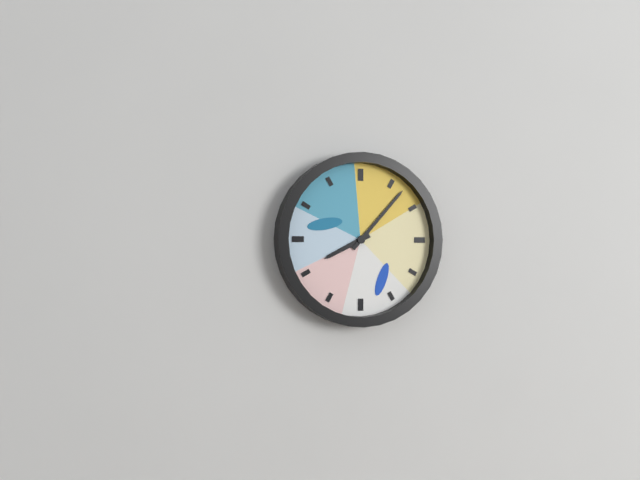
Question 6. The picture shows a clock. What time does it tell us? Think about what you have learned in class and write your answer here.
8:07
